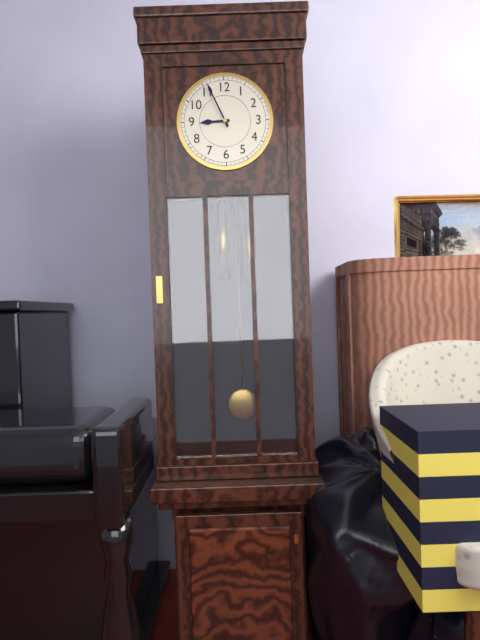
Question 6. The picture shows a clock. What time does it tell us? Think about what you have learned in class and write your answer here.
8:56
